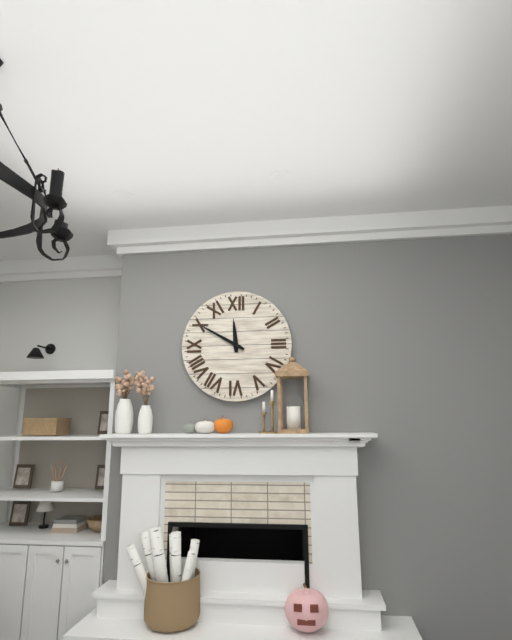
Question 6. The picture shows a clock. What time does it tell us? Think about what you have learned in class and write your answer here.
11:50
